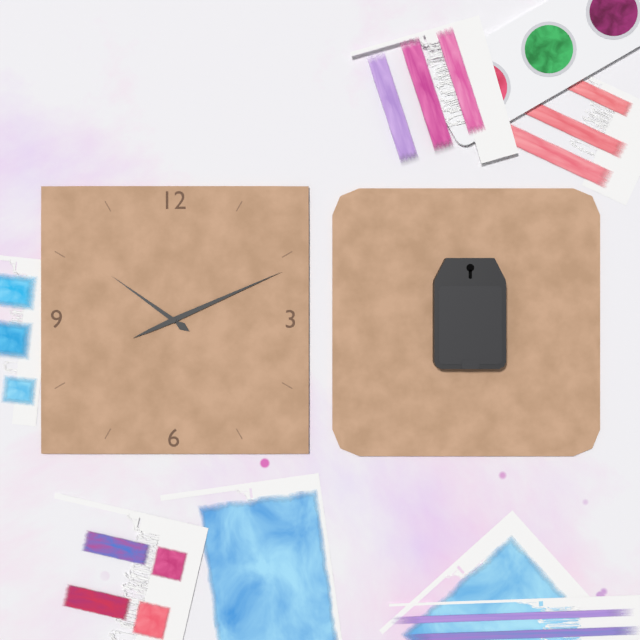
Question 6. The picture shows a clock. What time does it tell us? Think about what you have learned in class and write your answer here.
10:11
